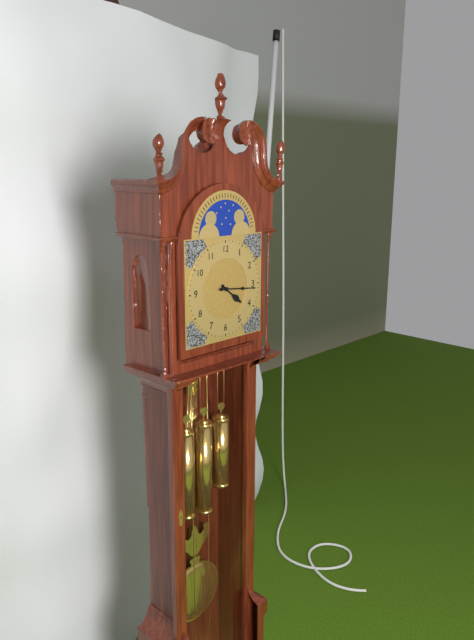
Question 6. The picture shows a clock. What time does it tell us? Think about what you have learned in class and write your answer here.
4:16
